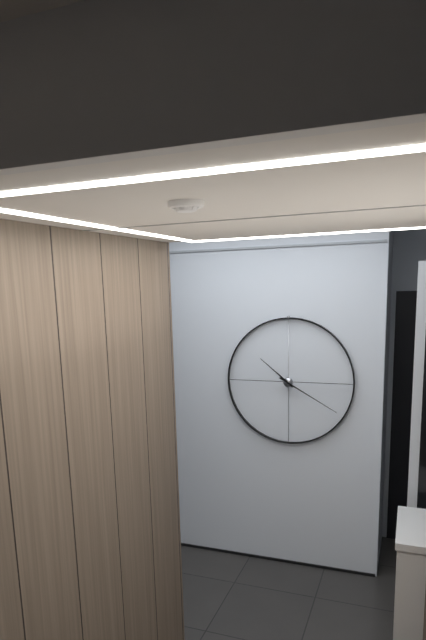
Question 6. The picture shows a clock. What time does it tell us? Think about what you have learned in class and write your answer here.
10:20
